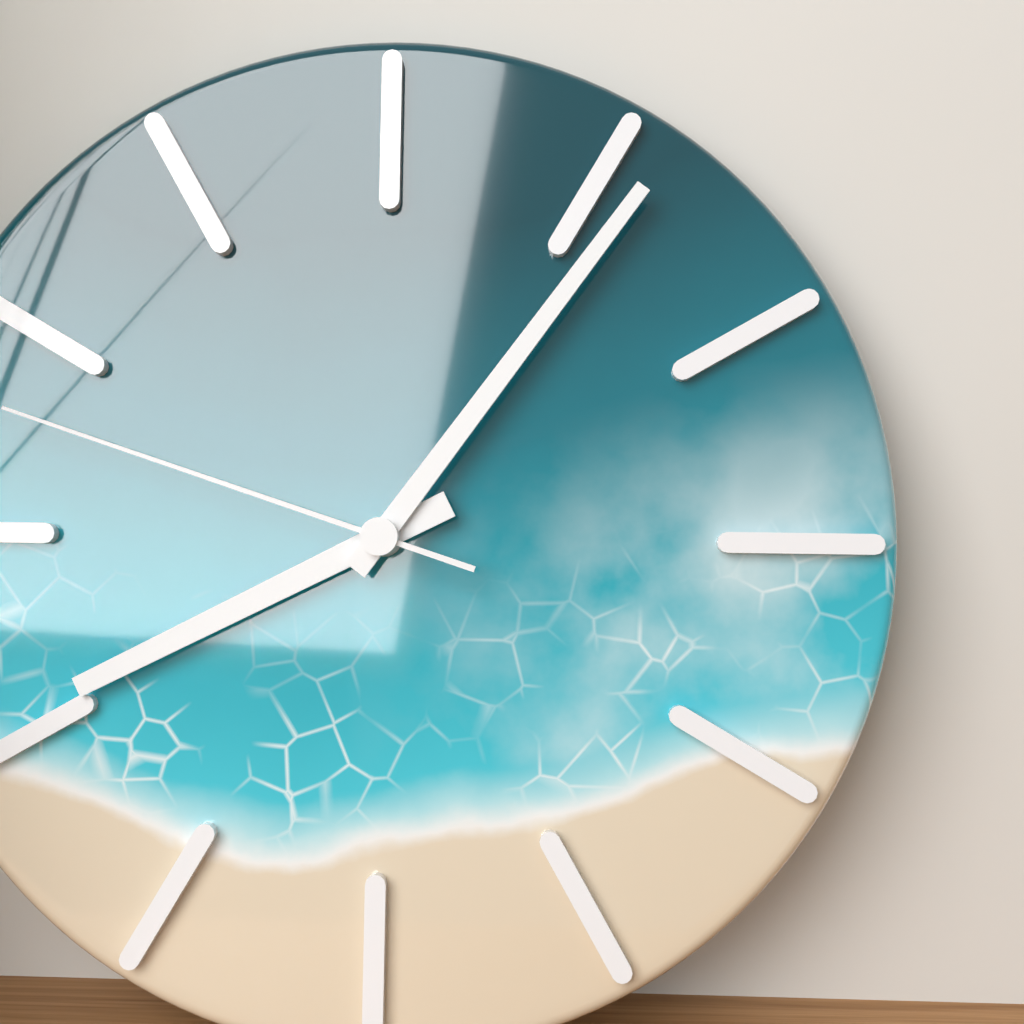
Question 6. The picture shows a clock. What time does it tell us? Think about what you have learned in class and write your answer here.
8:06:48
